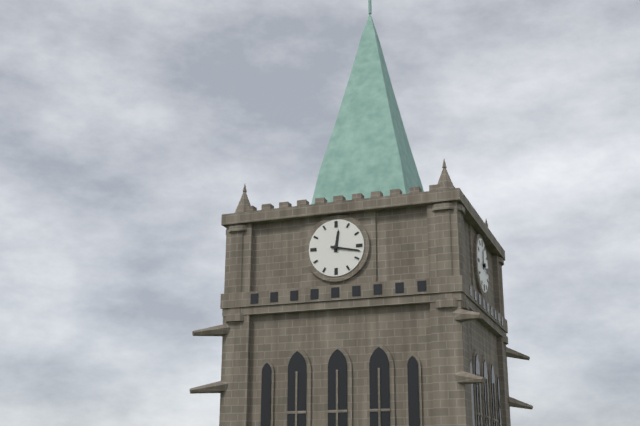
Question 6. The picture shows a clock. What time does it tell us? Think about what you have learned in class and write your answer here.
12:17
